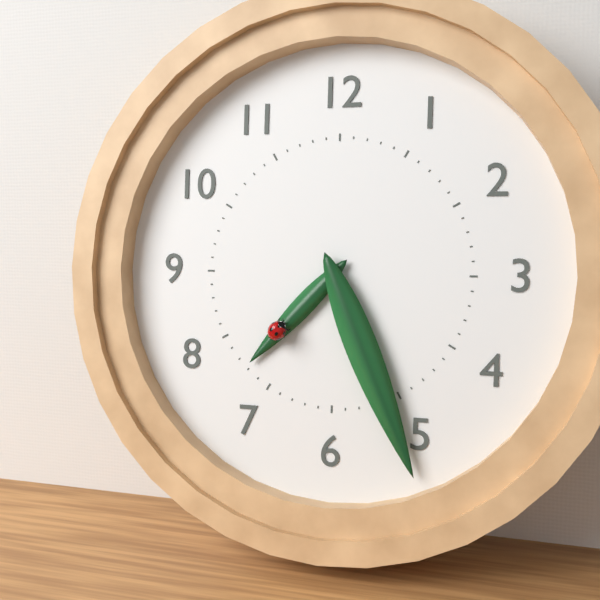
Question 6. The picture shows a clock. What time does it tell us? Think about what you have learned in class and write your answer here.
7:26
